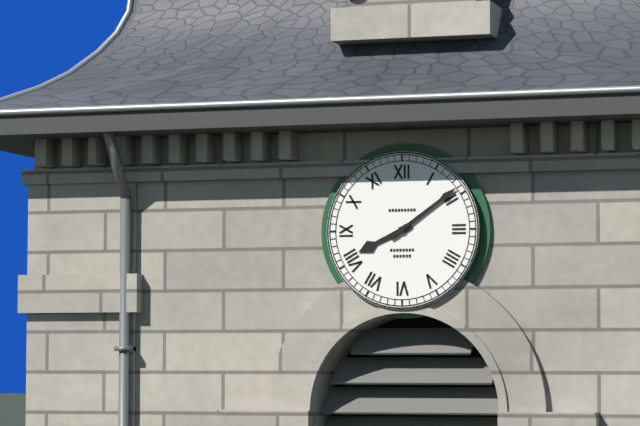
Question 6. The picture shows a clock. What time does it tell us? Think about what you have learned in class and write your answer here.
8:09
